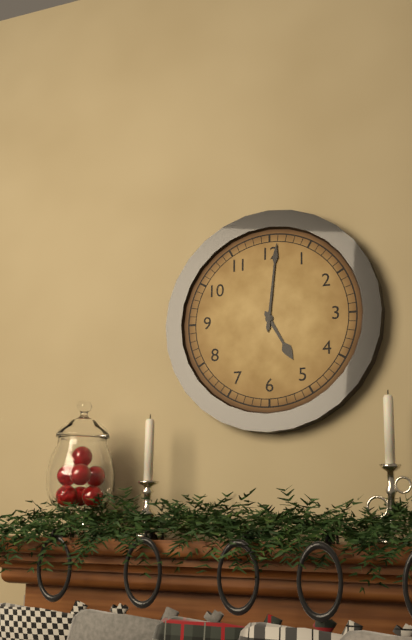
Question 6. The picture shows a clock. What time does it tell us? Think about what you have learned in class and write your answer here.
5:01
